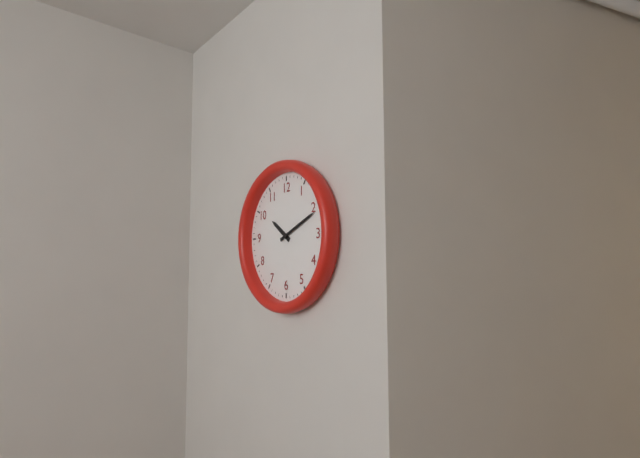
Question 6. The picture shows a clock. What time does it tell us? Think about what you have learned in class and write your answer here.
10:11
